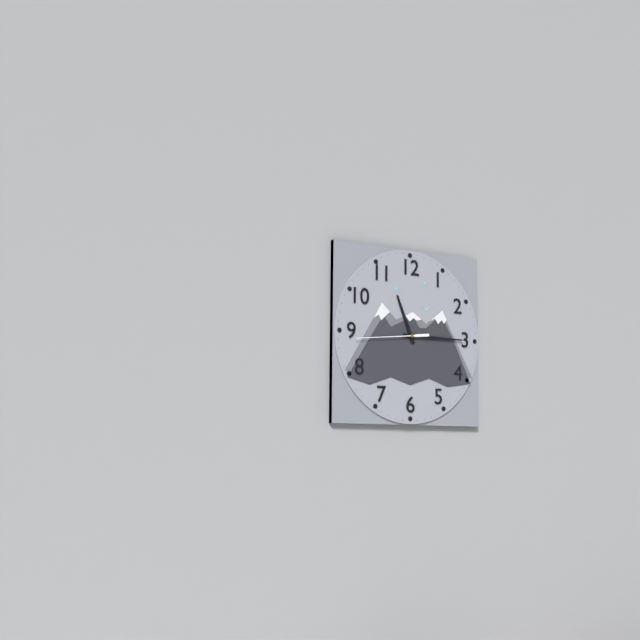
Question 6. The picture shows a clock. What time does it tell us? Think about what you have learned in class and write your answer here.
11:15:44
